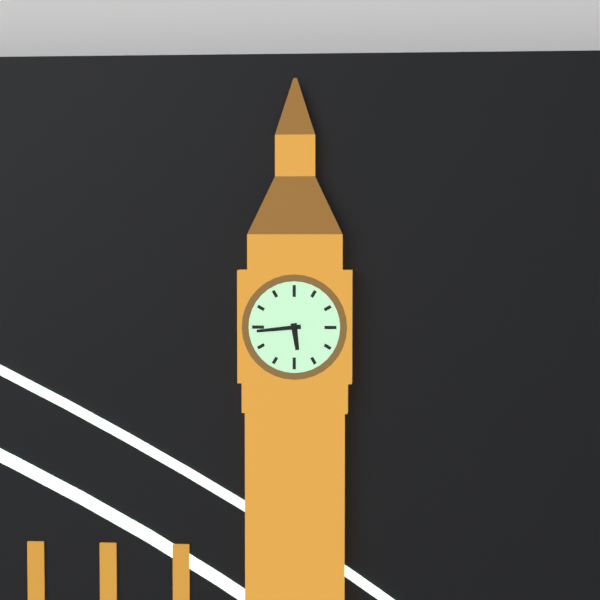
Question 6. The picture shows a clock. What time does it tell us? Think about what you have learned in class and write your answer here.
5:44
